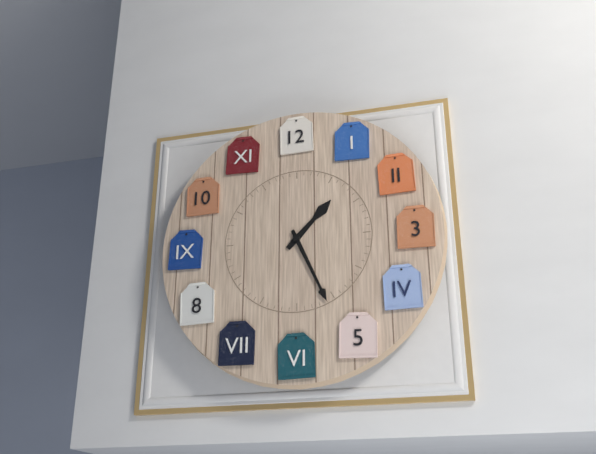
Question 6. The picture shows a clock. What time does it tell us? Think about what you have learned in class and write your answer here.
1:26
